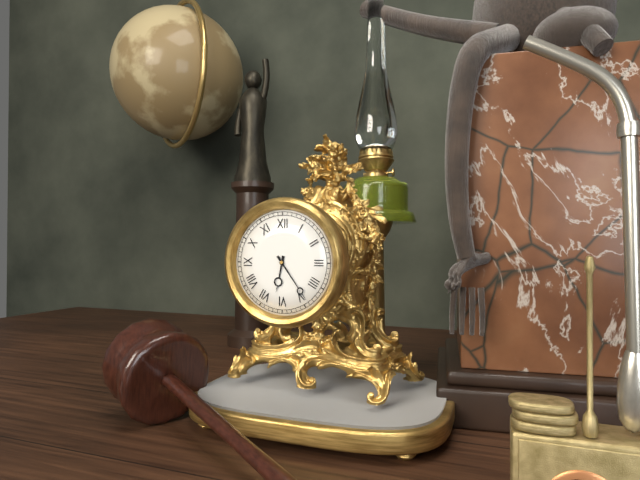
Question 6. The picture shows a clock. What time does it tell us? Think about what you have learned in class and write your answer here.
6:24
